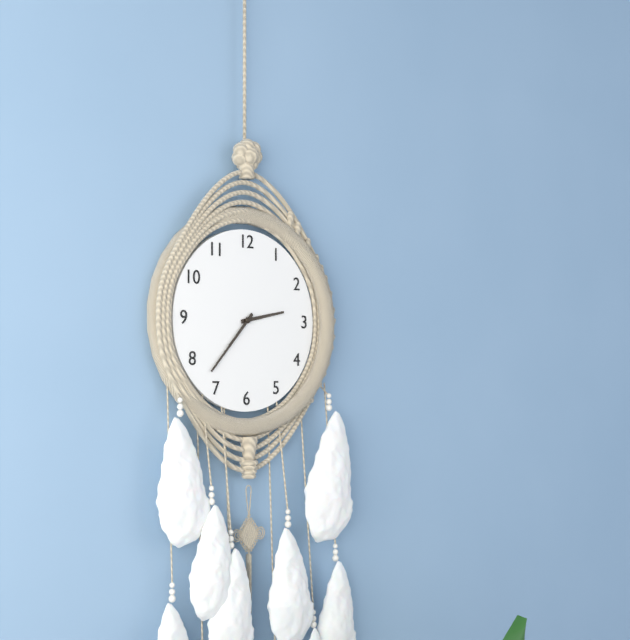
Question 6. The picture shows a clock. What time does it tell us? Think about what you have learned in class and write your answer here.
2:37
